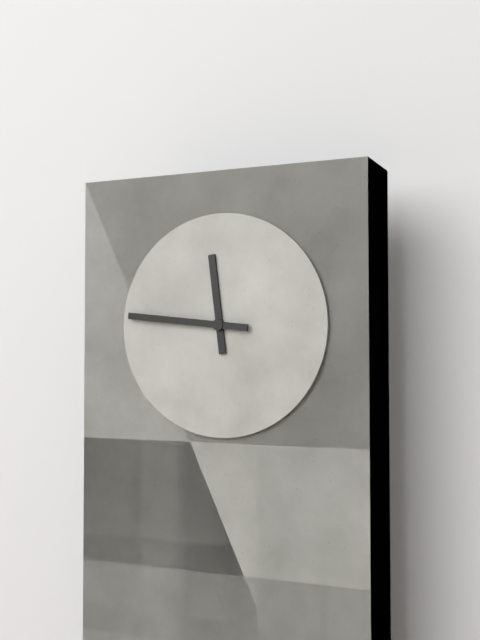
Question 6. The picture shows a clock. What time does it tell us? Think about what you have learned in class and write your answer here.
11:46
